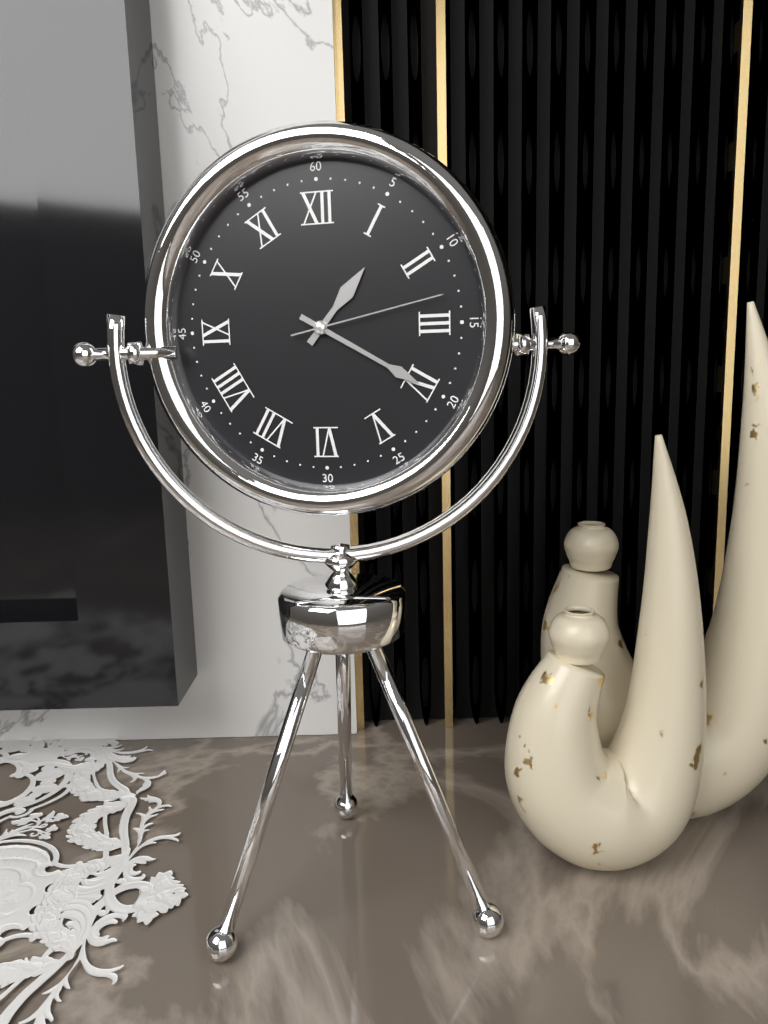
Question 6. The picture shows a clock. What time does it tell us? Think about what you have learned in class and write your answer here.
1:20:13
